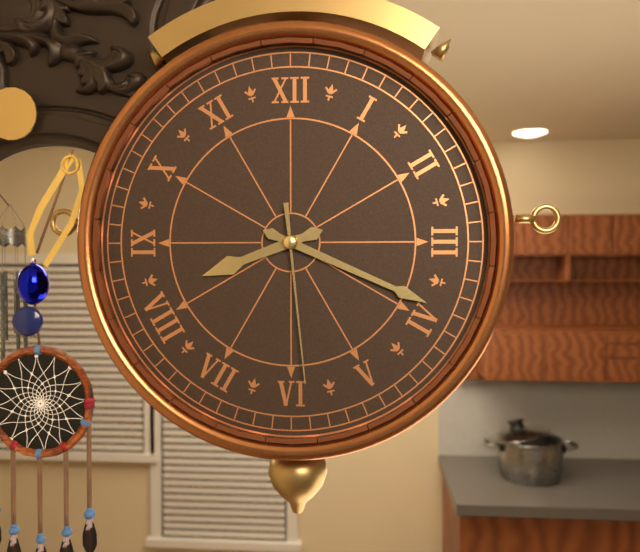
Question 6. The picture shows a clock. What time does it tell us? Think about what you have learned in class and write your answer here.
8:19:29
